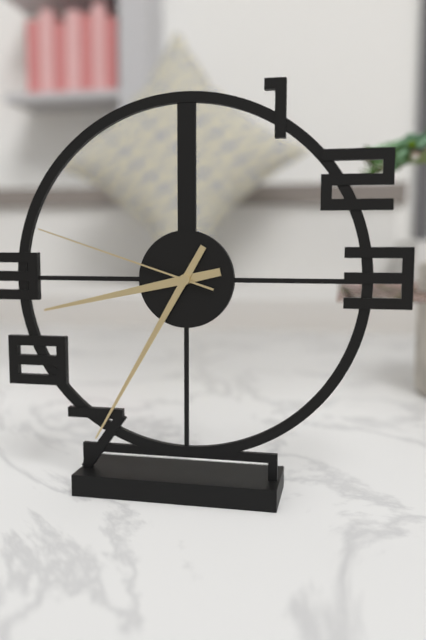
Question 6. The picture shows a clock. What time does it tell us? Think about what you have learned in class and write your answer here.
8:35:48
